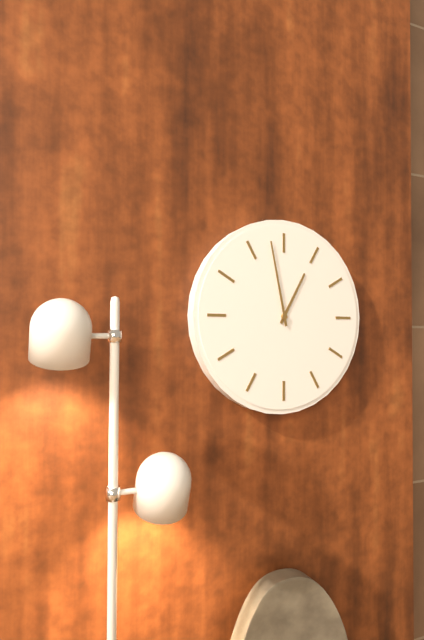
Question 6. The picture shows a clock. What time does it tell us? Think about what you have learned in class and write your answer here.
12:58
